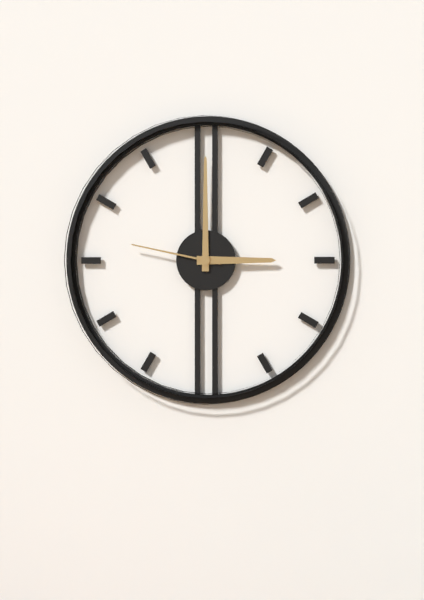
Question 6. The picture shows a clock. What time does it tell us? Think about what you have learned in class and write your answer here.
3:00:47
